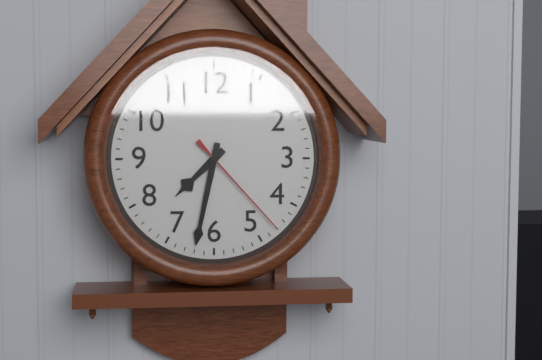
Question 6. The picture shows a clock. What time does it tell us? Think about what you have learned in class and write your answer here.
7:32:23
